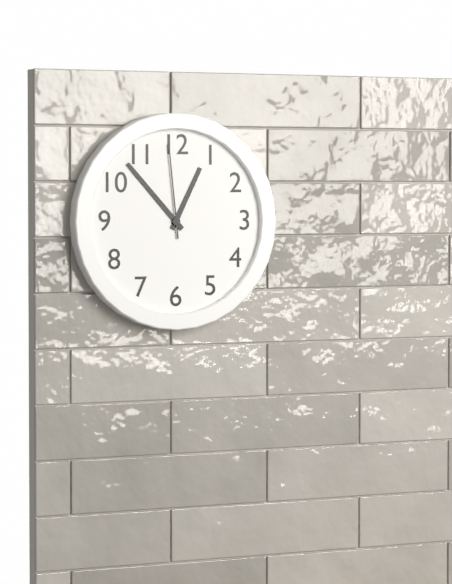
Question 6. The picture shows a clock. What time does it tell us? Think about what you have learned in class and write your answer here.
12:53:59
